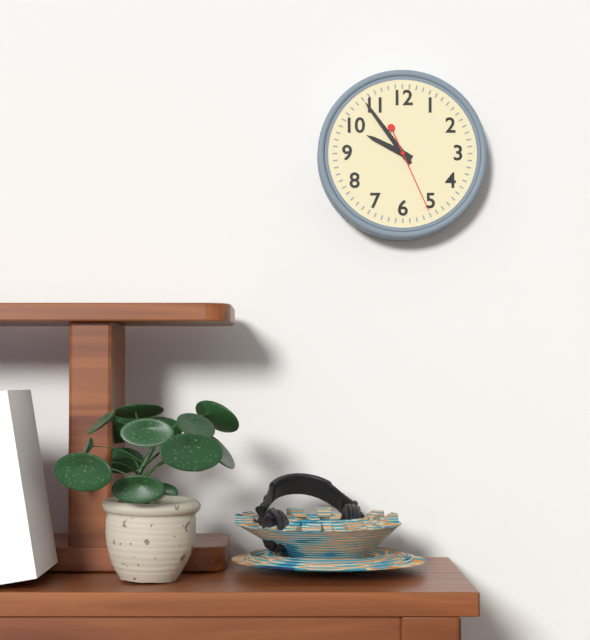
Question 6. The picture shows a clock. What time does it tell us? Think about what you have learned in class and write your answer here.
9:54:26
